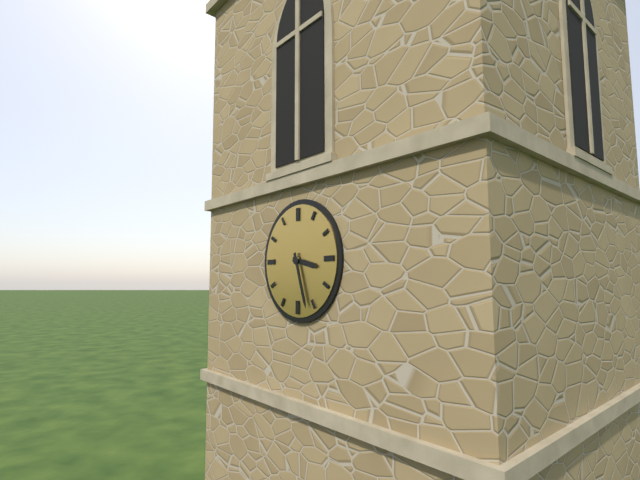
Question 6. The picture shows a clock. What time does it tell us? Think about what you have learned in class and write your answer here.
3:27
